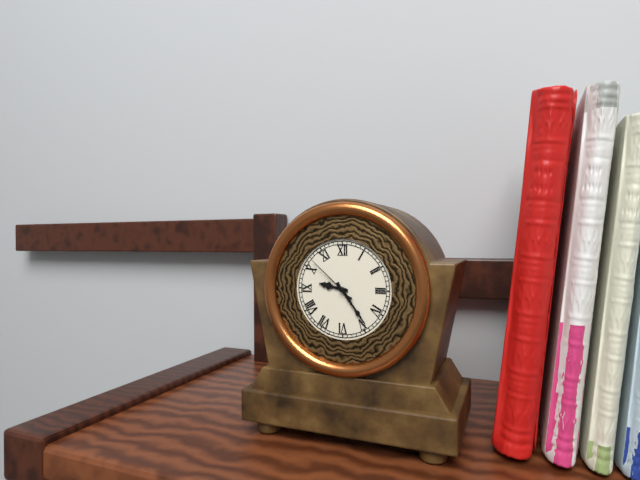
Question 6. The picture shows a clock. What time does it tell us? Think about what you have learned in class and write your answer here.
9:24:52
